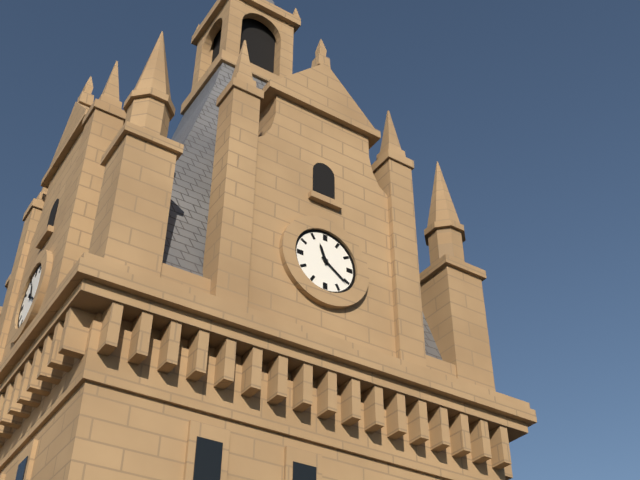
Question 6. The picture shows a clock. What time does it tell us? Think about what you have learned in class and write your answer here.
11:21
